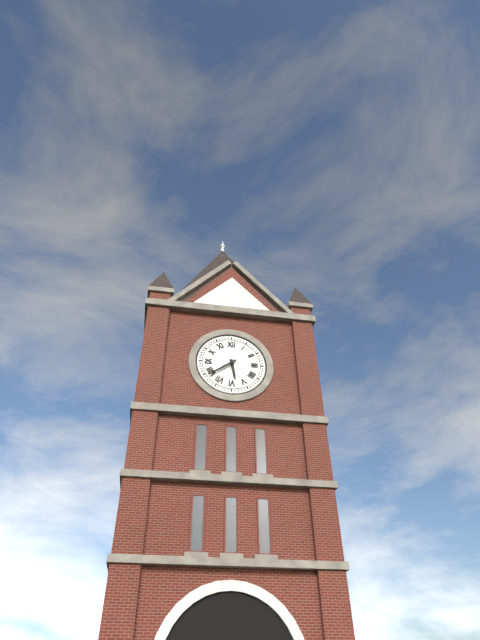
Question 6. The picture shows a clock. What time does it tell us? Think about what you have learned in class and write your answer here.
5:39
